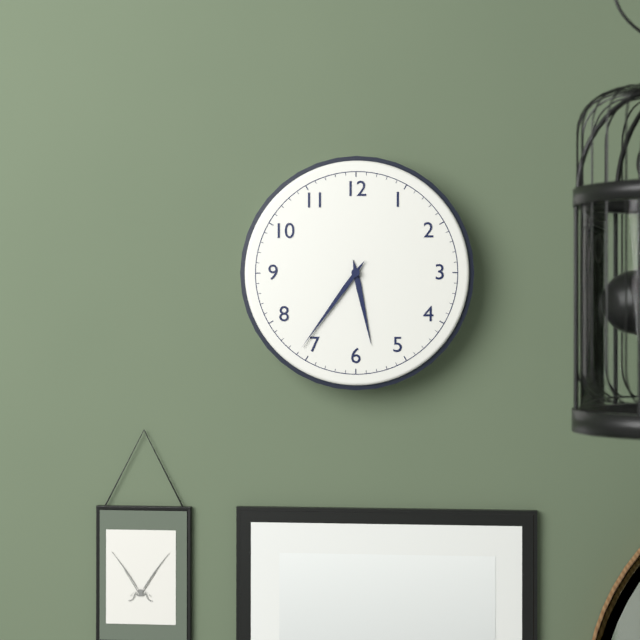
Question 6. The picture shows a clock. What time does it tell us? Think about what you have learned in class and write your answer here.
5:36
